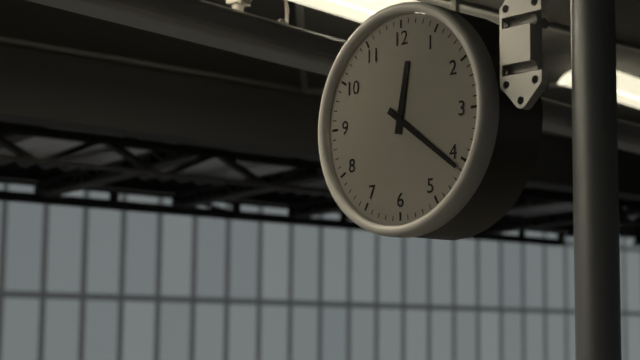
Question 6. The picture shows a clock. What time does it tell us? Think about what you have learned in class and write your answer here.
12:21
